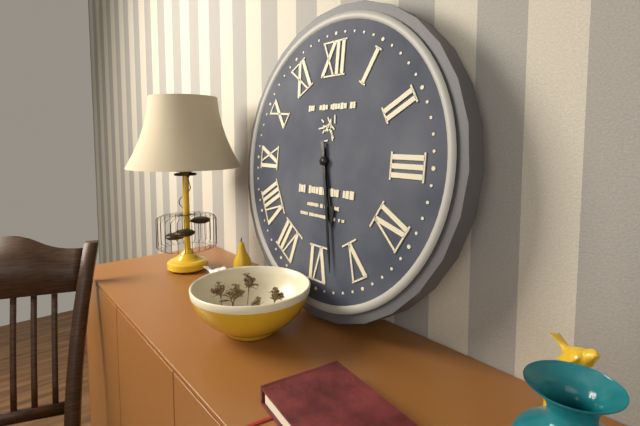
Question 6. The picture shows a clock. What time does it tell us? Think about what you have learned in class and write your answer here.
5:28
